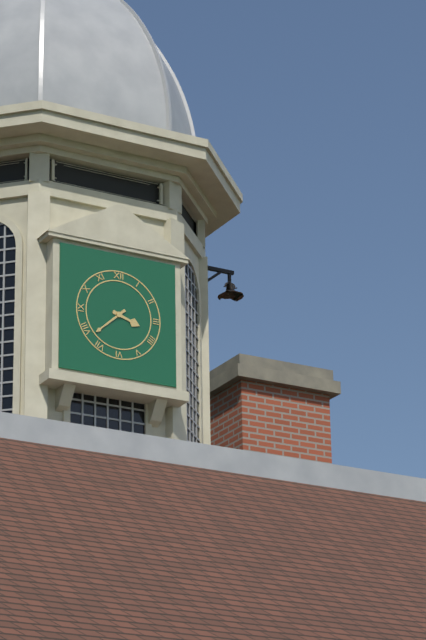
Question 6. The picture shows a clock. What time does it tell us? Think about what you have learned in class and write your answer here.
3:38
